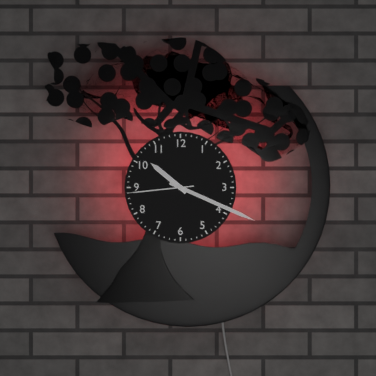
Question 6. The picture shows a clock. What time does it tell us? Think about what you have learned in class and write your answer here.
10:19:44
